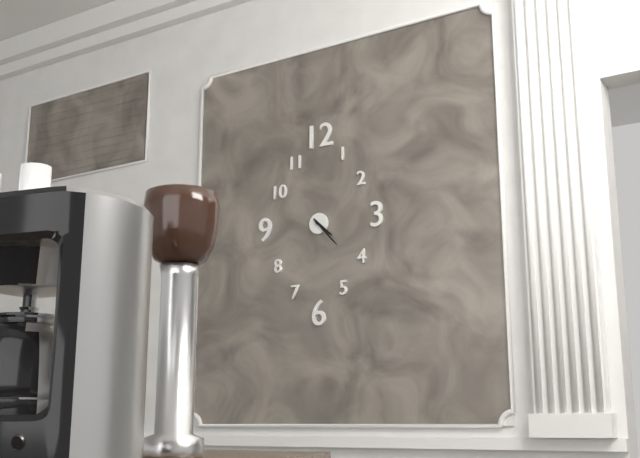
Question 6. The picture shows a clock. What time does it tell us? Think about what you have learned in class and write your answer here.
4:23
